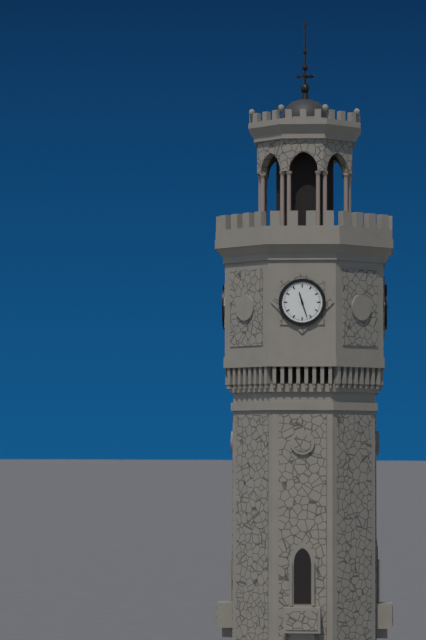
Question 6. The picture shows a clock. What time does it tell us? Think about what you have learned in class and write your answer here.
11:27
